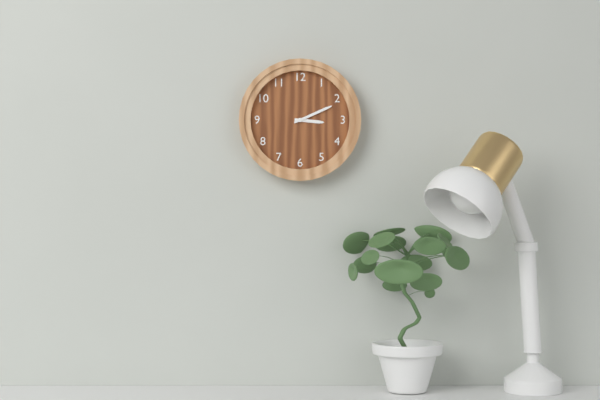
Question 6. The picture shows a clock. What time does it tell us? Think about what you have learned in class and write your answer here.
3:11
